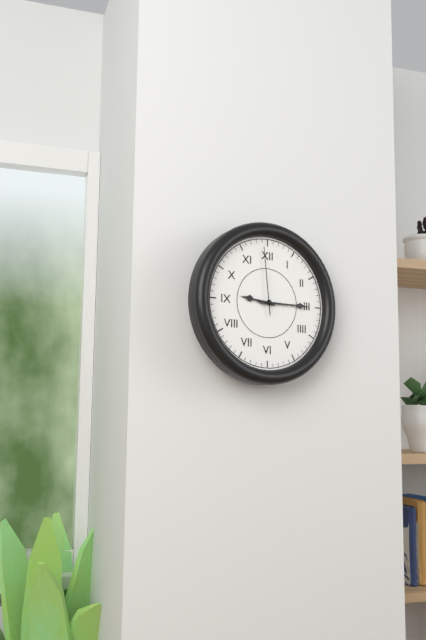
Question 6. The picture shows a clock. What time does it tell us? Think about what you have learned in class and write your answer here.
9:15:59
